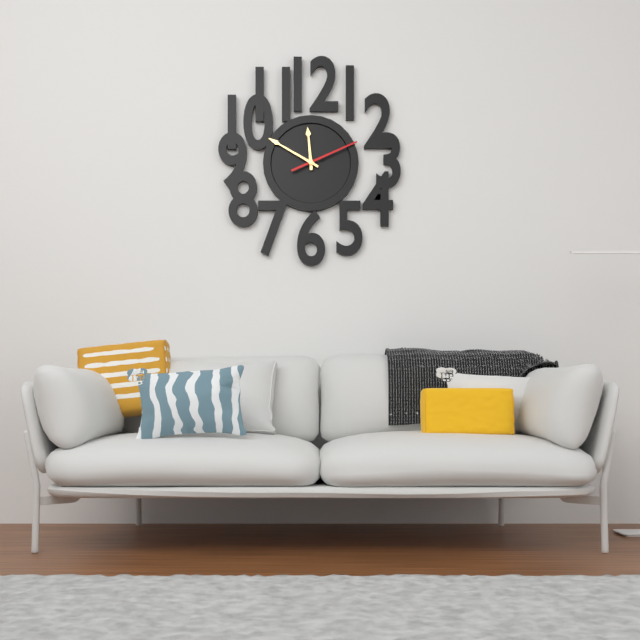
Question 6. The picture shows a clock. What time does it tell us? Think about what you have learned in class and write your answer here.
11:50:11
